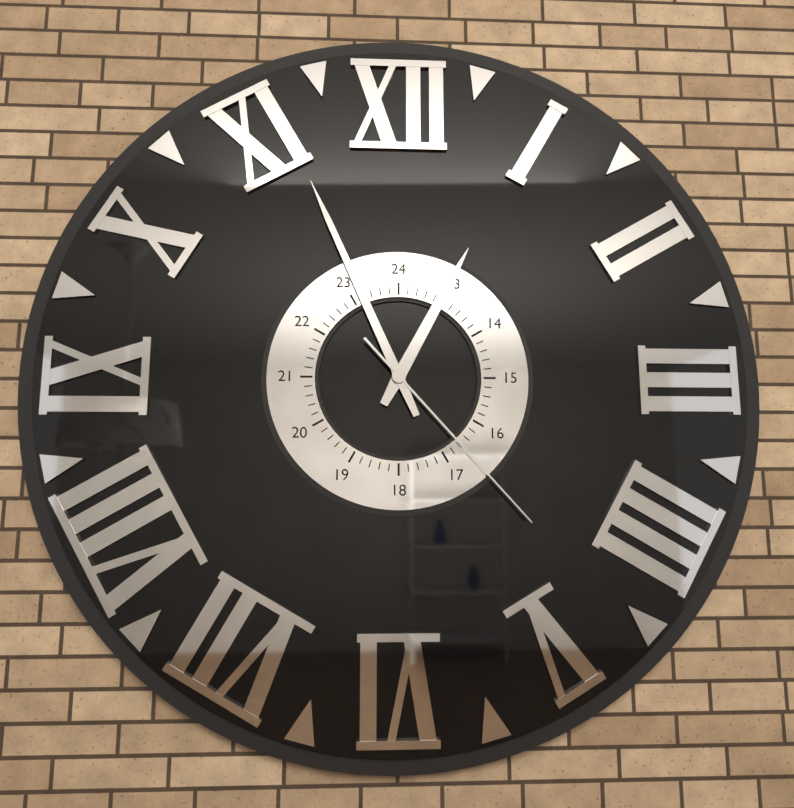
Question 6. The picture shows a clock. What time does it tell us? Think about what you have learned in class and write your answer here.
12:56:23
